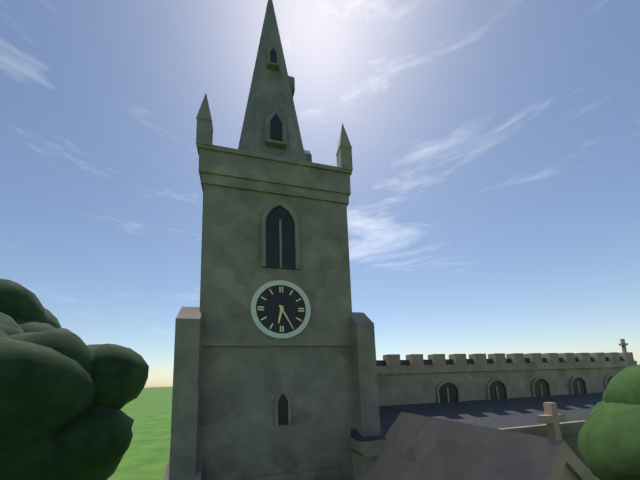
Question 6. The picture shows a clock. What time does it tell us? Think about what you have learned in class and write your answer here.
6:25
